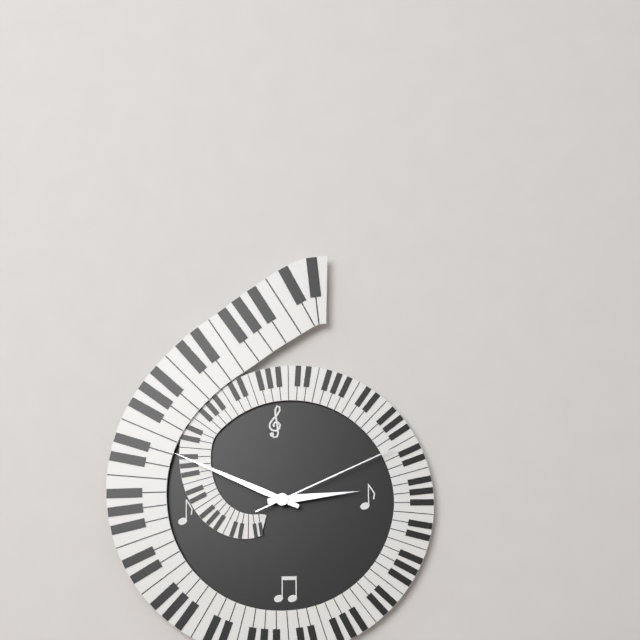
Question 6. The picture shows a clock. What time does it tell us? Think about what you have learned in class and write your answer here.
2:49:11
